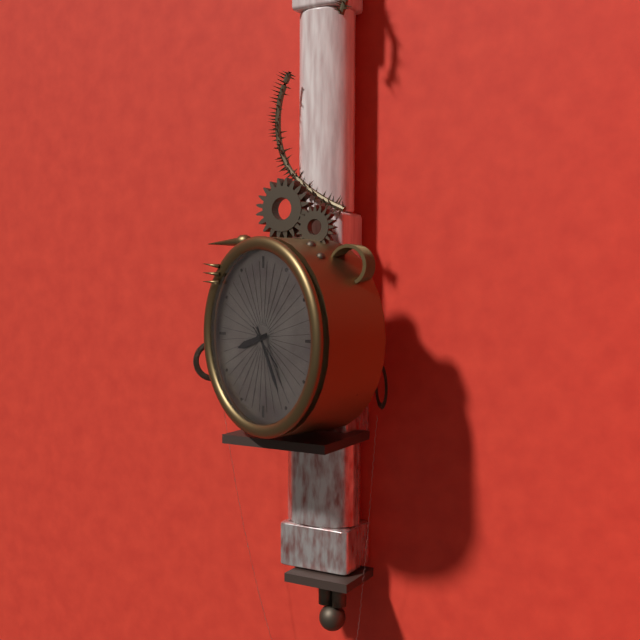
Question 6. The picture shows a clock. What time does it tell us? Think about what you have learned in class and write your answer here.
8:25
